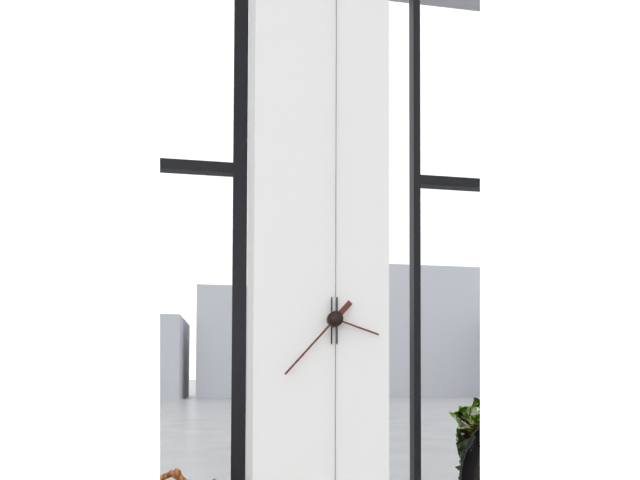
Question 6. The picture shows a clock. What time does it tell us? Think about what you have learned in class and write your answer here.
3:37
